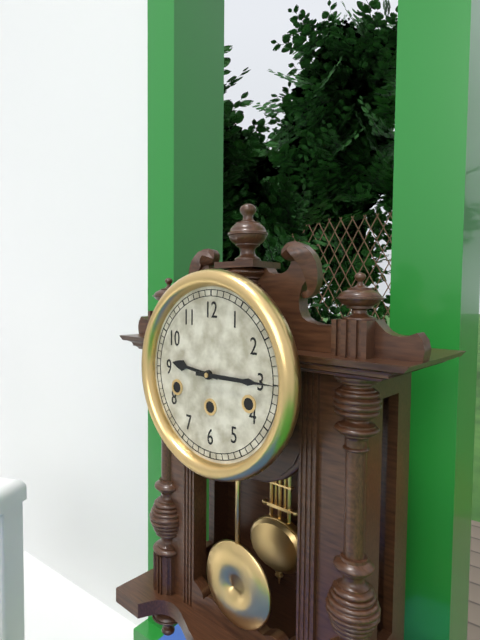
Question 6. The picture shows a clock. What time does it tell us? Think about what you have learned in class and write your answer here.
9:15
